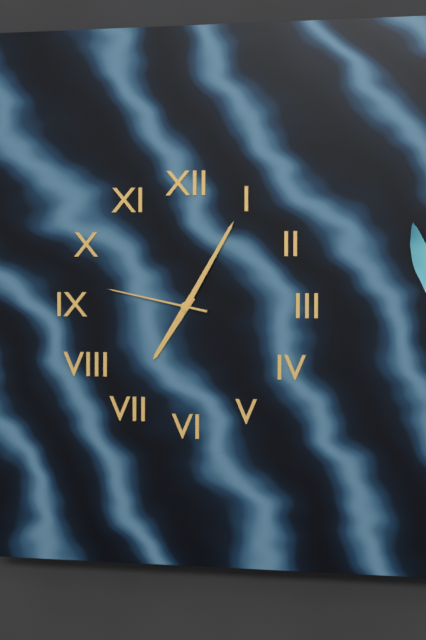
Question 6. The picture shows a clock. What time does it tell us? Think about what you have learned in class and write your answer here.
7:05:47
